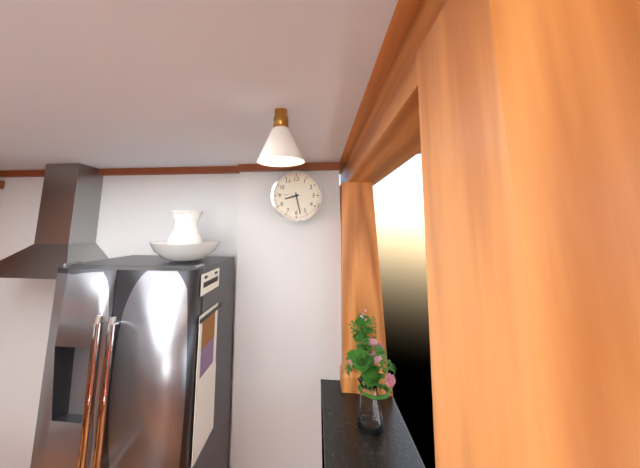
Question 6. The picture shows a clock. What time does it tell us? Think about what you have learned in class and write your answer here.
8:28
